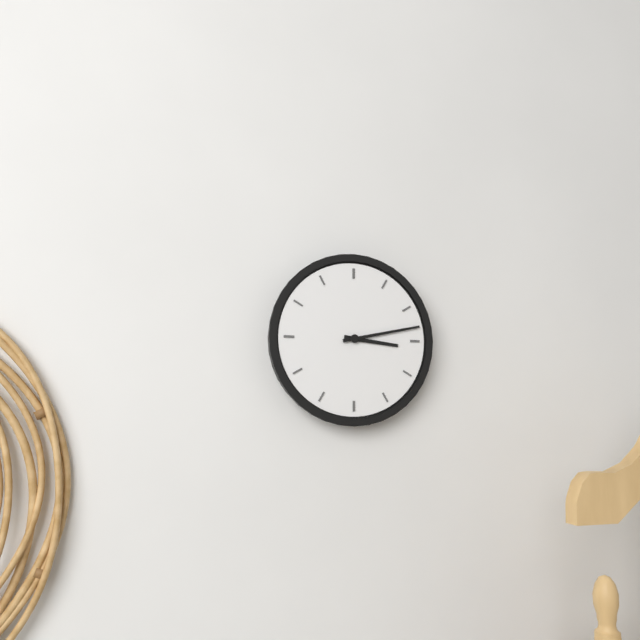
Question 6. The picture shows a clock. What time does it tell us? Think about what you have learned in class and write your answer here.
3:13
